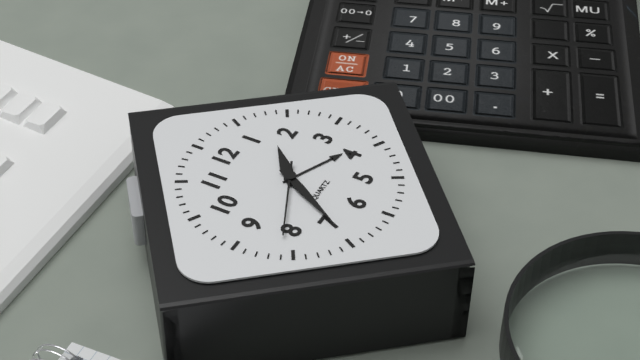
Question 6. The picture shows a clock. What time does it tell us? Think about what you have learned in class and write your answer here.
1:35:41
